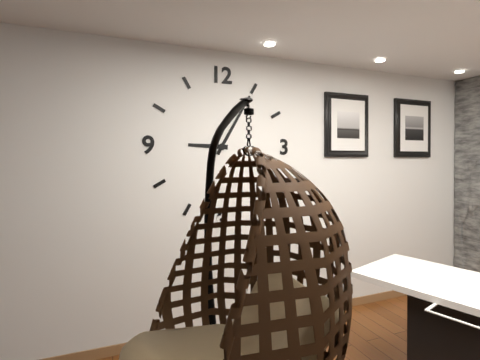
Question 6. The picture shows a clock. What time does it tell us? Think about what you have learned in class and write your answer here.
9:05
